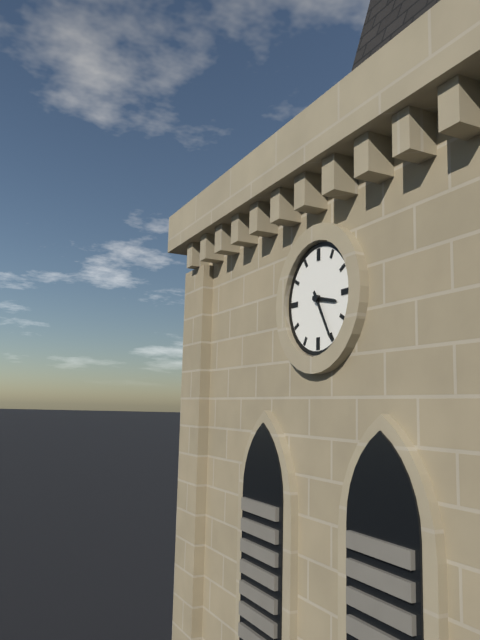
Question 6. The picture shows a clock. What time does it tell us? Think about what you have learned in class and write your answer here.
3:25
